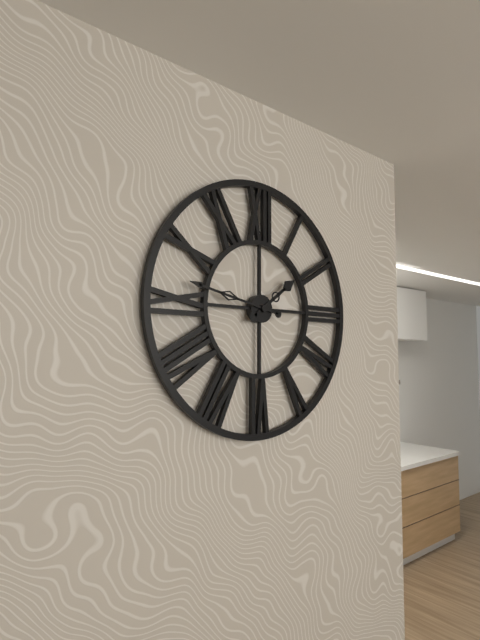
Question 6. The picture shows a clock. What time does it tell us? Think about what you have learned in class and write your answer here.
1:47
